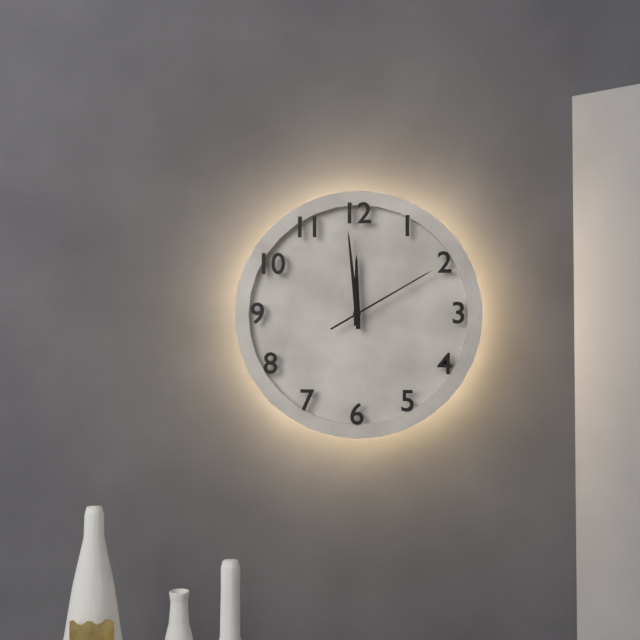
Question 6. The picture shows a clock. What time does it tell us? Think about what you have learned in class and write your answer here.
11:59:10
